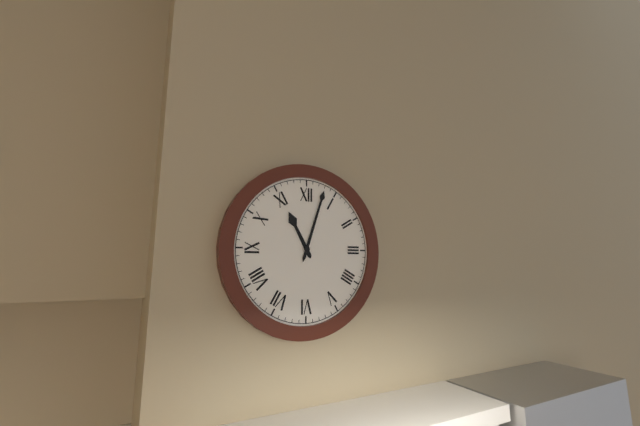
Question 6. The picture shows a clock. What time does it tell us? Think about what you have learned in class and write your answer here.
11:03
